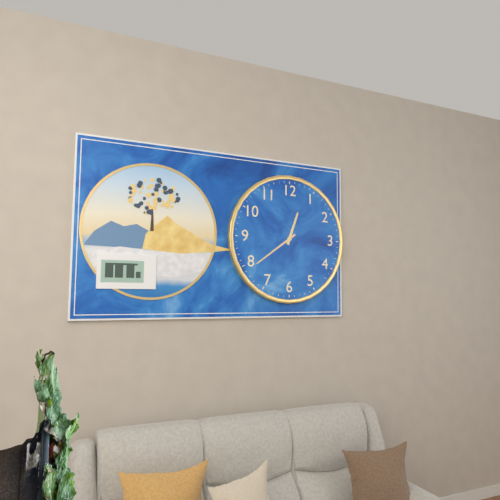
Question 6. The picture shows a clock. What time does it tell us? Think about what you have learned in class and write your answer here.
12:39
